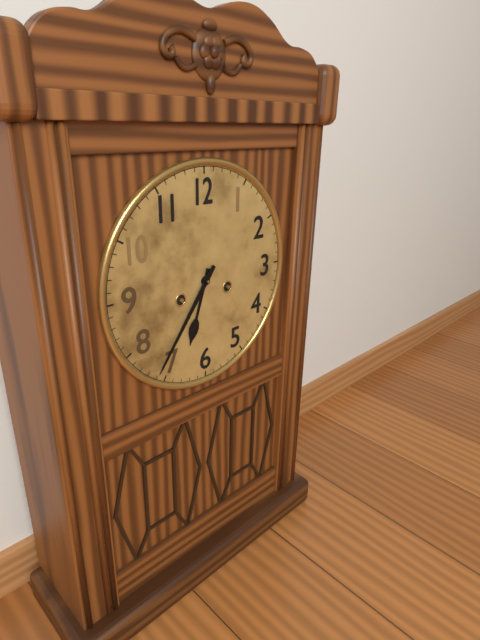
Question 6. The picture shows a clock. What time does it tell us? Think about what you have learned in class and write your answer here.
6:36
